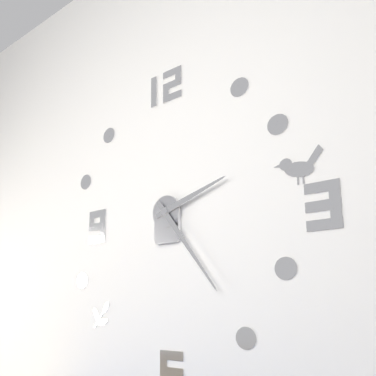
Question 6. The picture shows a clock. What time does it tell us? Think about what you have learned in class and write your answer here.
2:24
